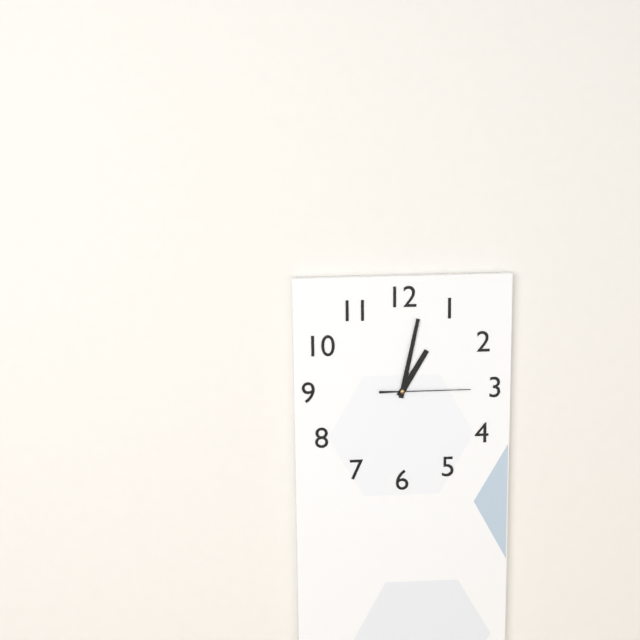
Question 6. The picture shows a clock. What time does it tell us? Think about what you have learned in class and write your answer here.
1:02:15
